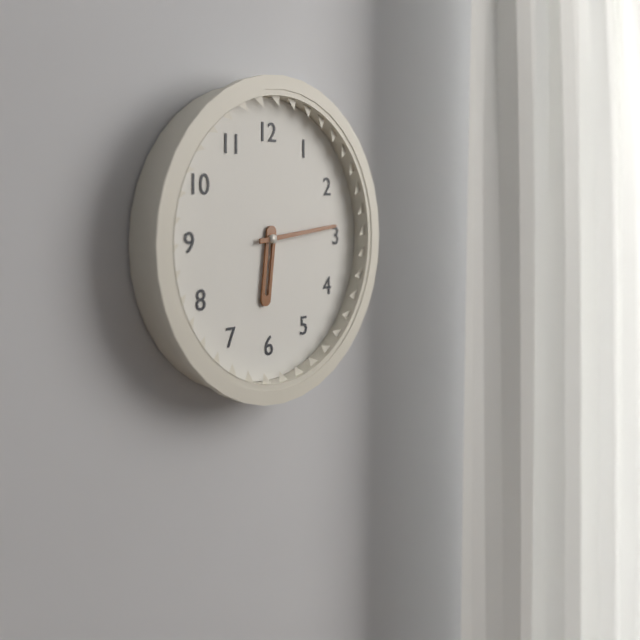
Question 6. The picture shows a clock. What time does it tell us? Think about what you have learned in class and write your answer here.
6:14
